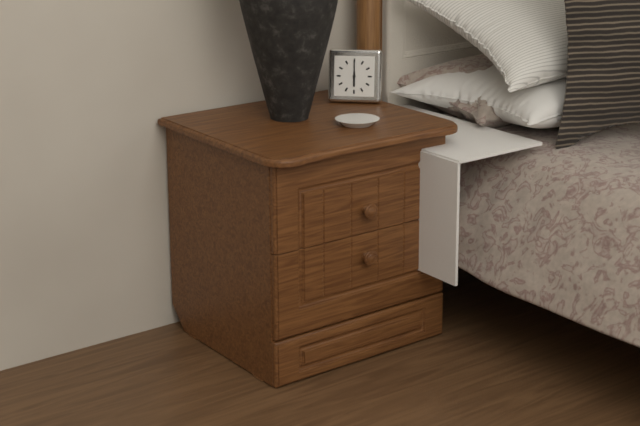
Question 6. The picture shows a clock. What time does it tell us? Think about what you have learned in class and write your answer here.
6:00
